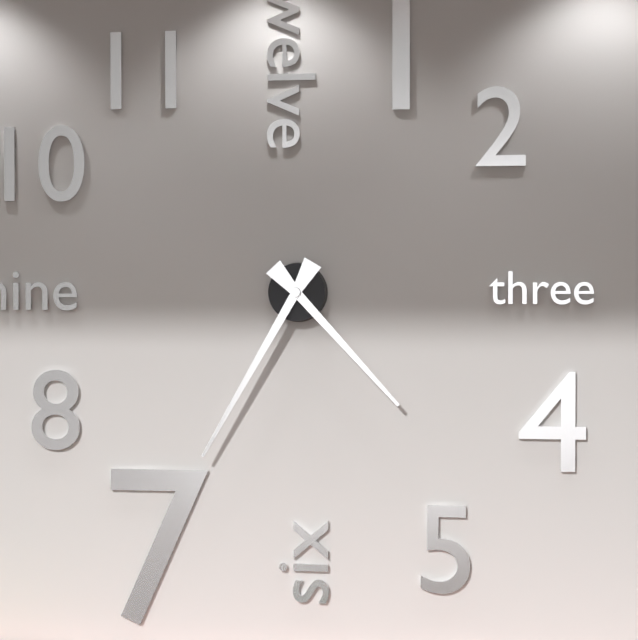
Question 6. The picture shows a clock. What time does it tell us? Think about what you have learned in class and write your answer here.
4:35
